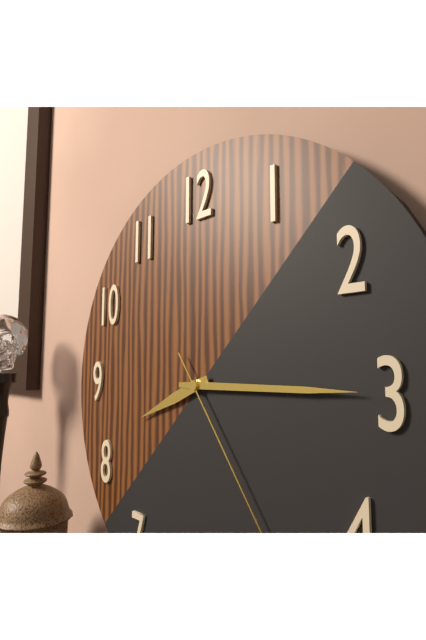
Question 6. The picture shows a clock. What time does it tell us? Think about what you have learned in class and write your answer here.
8:15:24
